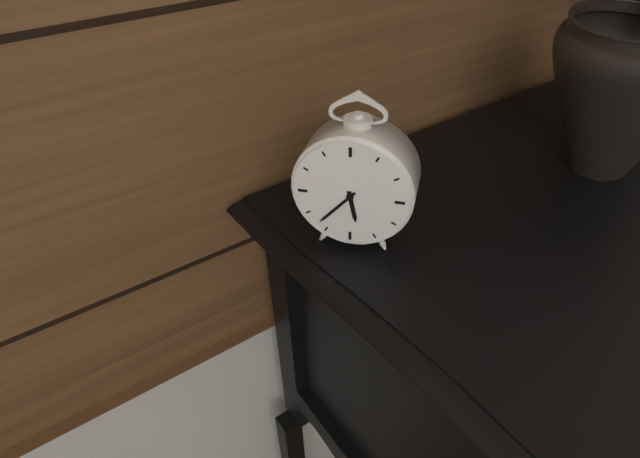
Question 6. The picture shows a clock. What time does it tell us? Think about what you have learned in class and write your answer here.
5:37
